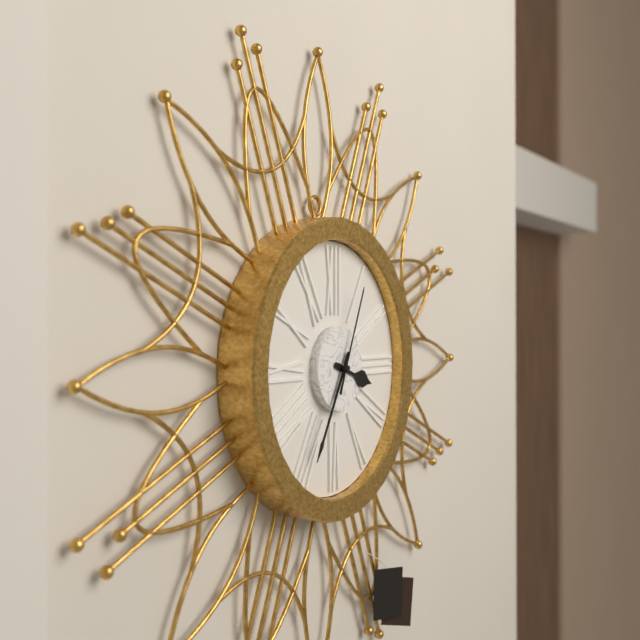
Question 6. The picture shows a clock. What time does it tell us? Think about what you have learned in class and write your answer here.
3:35:04
